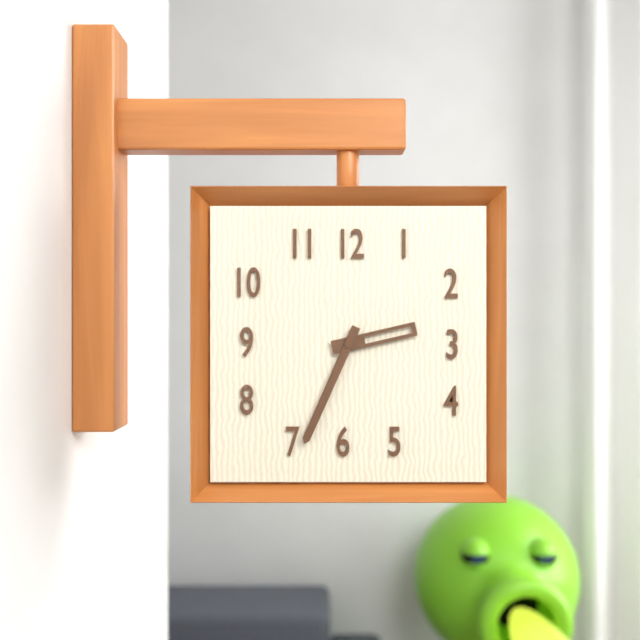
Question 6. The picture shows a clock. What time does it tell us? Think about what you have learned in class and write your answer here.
2:34
